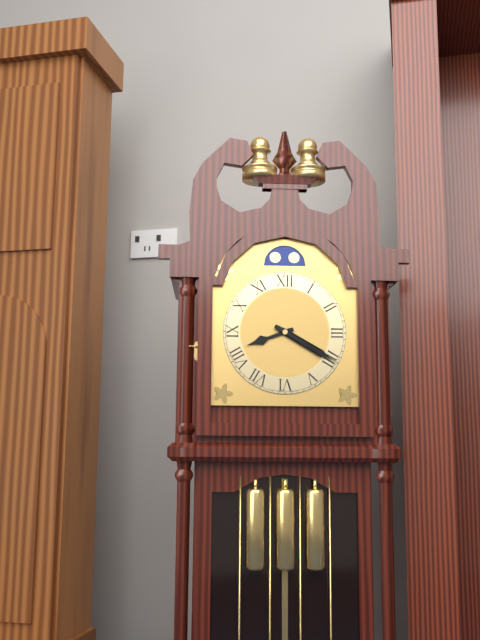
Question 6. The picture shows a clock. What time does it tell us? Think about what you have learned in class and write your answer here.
8:20
